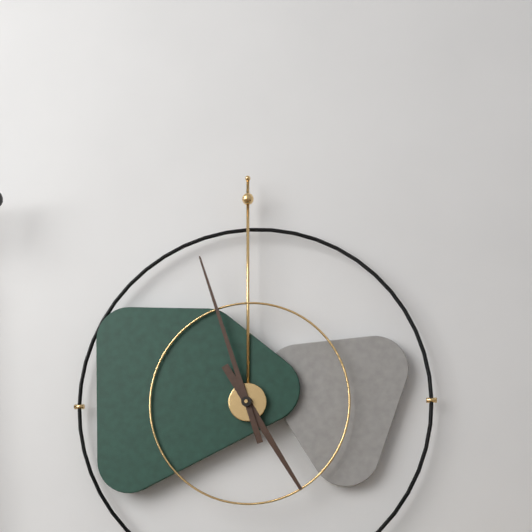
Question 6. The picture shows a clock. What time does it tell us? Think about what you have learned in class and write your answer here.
4:57
